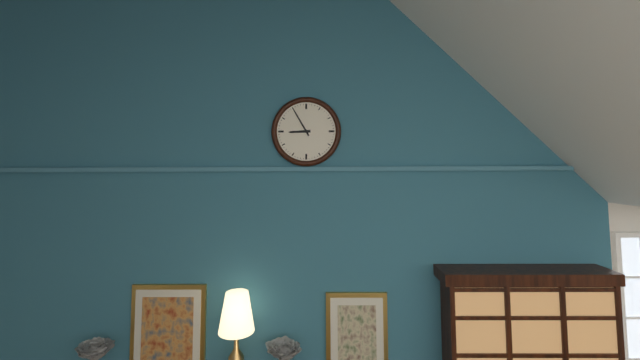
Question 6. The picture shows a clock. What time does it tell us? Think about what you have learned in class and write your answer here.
8:55
